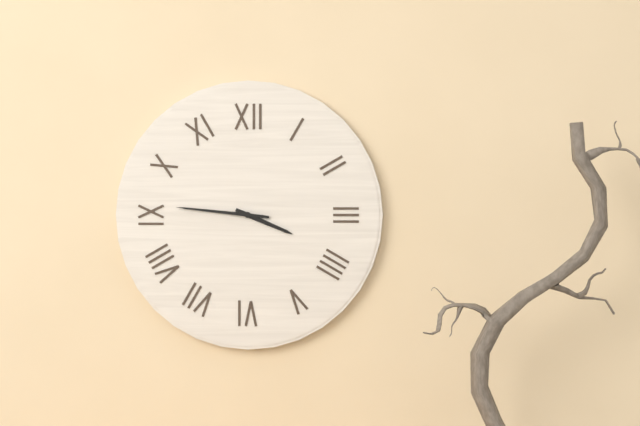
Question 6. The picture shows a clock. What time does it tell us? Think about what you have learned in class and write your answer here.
3:46
